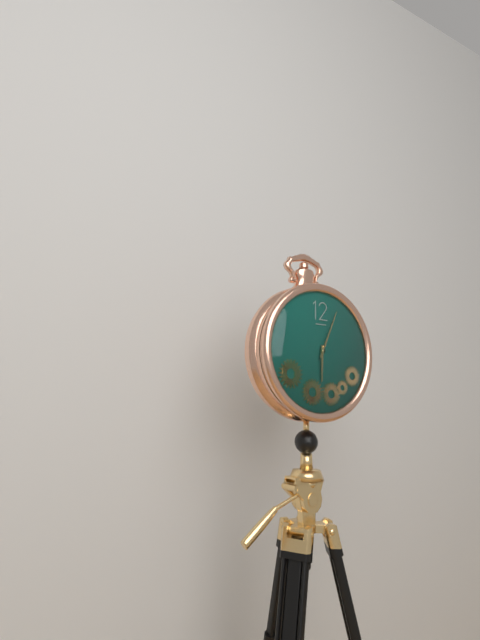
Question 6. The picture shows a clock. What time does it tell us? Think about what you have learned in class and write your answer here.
6:04
